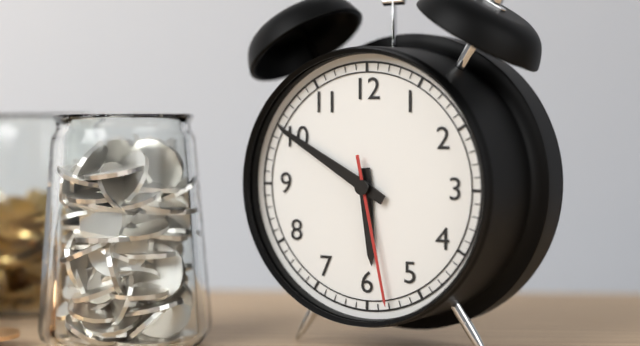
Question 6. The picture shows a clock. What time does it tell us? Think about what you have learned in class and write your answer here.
5:50:28
